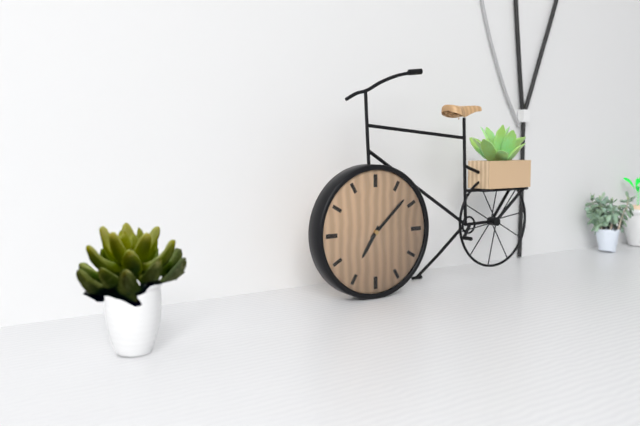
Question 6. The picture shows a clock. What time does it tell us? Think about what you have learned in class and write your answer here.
7:08
